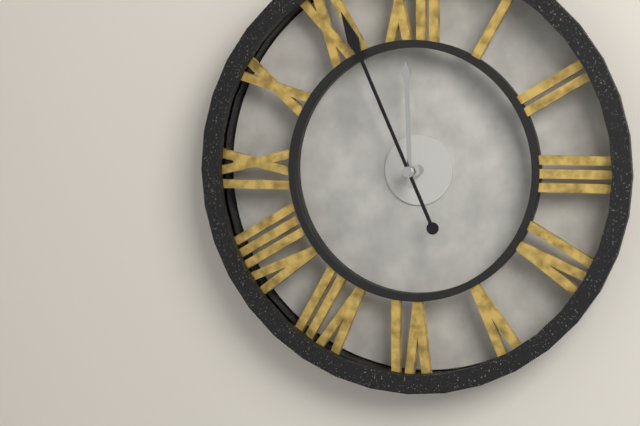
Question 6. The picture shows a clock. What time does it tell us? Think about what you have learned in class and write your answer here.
11:56
